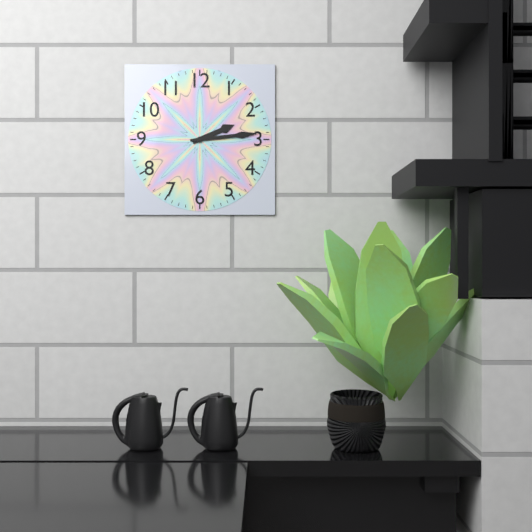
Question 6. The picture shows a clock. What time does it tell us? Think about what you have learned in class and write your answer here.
2:14
